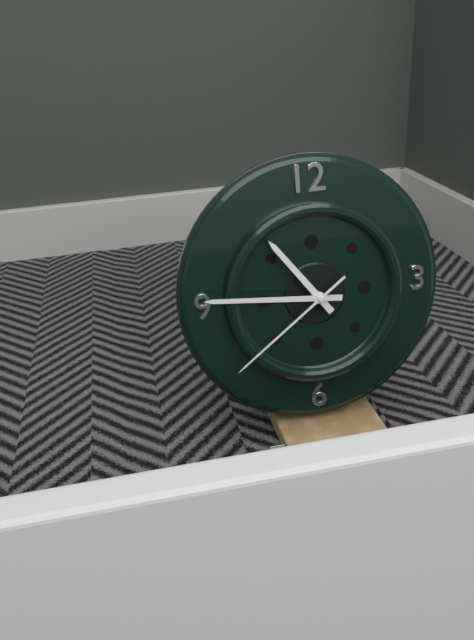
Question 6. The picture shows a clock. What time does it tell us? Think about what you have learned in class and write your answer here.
10:46:39
